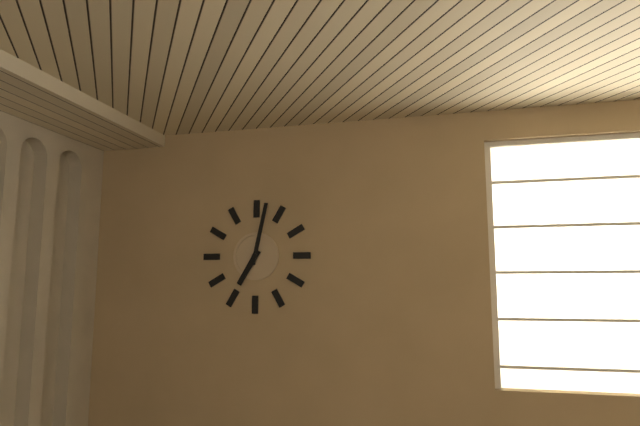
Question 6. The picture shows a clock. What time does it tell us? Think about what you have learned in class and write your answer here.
7:02
